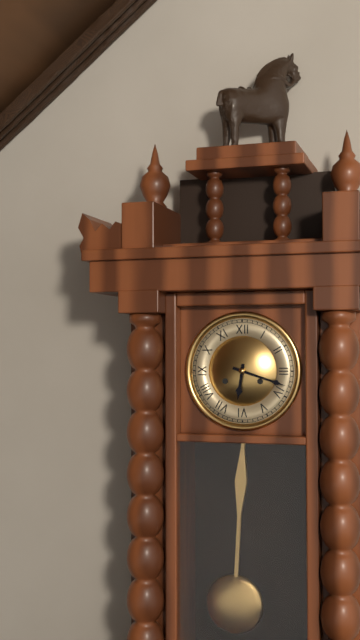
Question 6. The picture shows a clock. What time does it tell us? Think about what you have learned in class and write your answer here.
6:18
